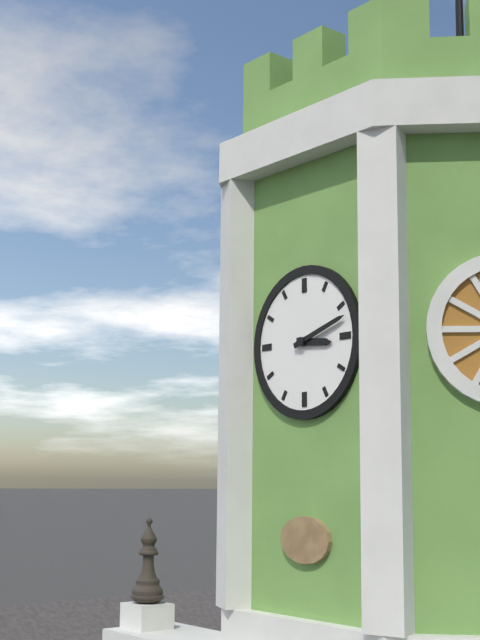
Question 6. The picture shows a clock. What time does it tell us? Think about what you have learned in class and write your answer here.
3:12
